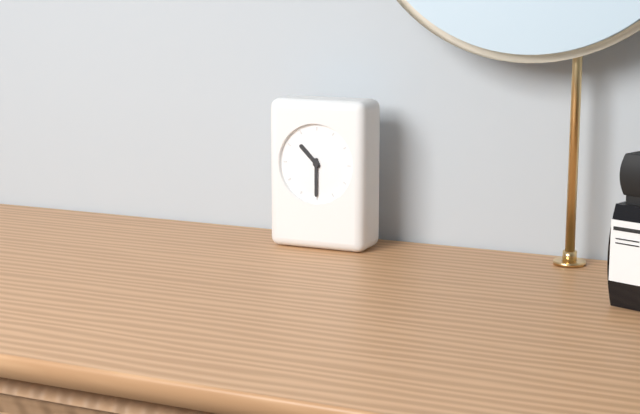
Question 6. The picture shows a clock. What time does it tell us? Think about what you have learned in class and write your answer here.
10:30
